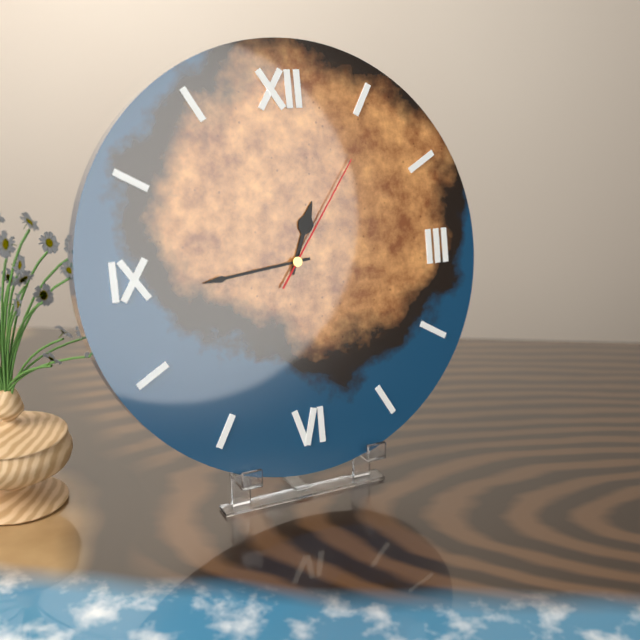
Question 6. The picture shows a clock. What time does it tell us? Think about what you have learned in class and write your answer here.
12:44:06
